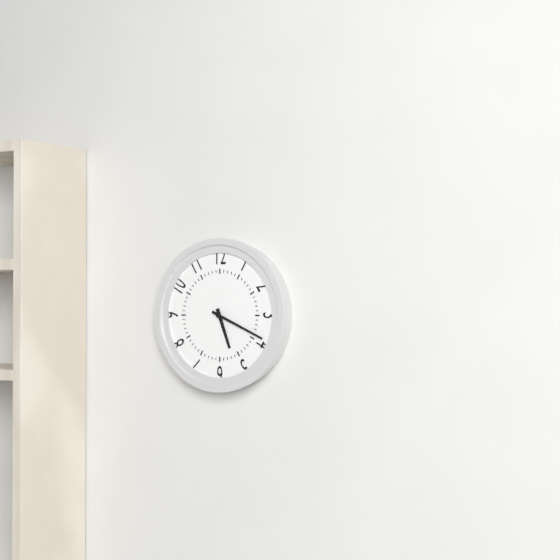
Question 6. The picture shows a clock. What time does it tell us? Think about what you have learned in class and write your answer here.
5:19
